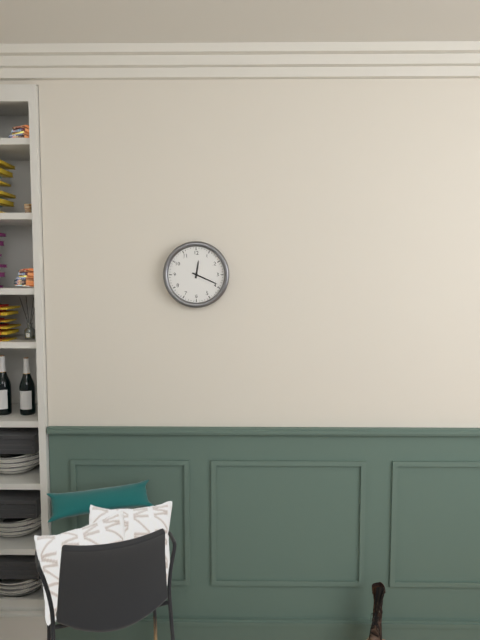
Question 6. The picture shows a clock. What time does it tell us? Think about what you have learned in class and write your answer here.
12:19
